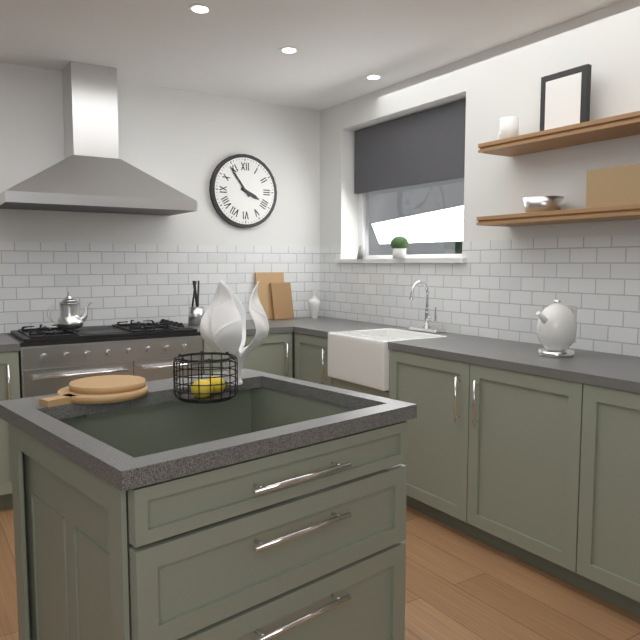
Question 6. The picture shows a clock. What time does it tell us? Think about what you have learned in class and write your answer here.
3:54
